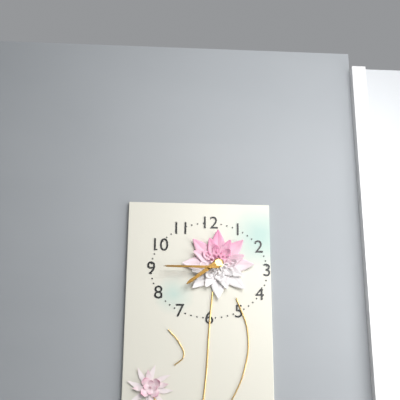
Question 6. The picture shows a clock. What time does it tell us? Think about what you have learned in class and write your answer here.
7:45
